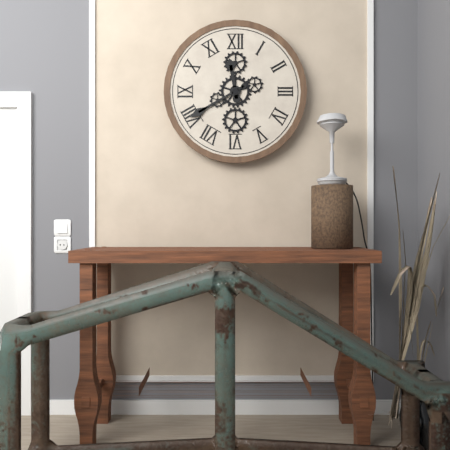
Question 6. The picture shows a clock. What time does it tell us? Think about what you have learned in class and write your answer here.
11:40
